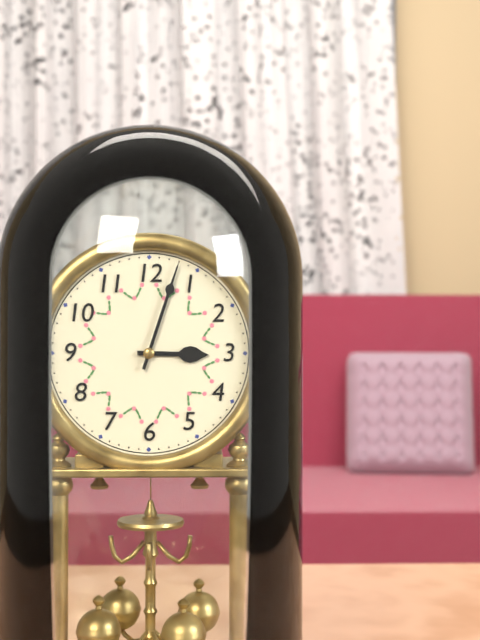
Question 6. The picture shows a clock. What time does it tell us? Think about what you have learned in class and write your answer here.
3:03
